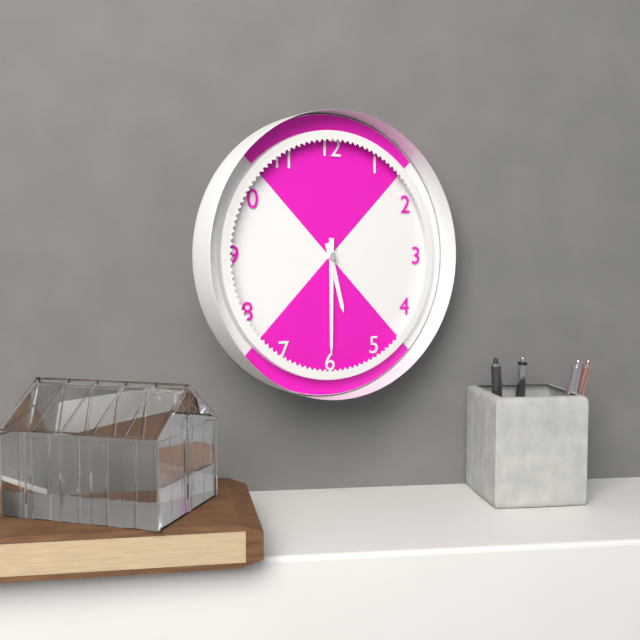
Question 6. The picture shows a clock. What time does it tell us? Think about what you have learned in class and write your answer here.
5:30
